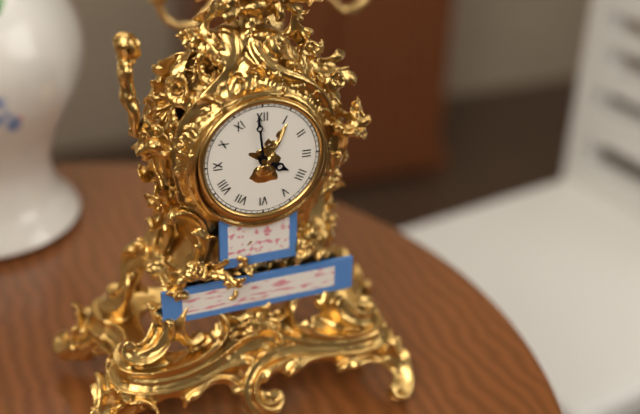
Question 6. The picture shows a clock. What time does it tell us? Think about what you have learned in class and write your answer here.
3:59
